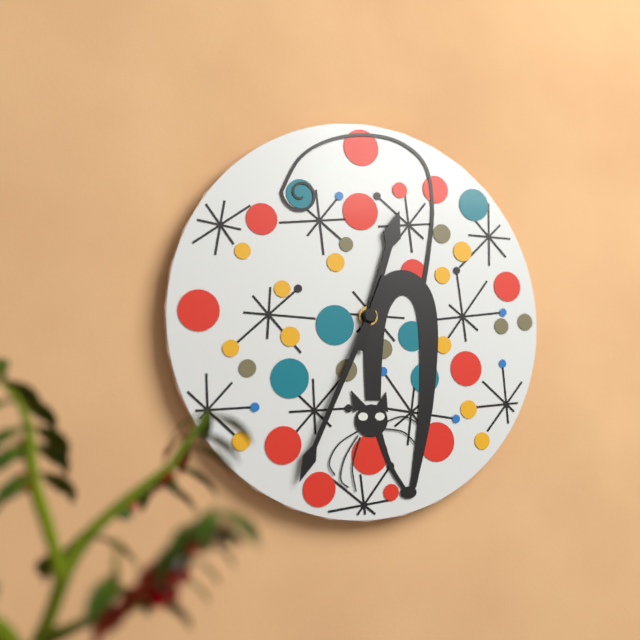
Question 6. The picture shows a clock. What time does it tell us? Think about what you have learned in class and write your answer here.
12:34
